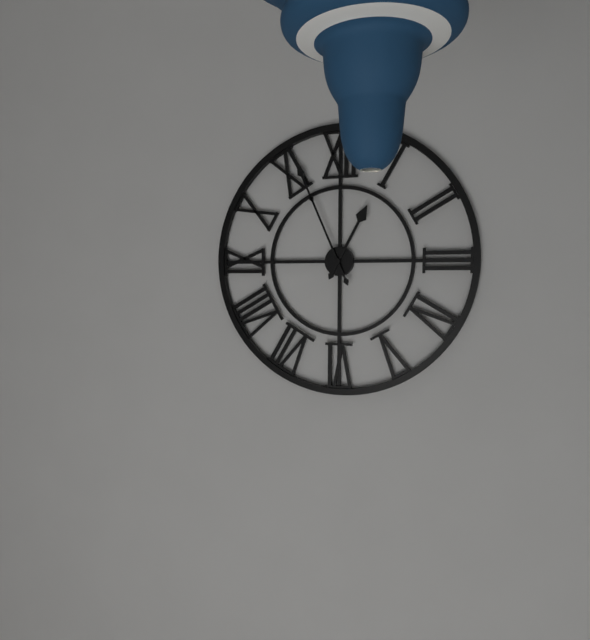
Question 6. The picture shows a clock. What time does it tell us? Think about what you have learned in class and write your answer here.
12:56
